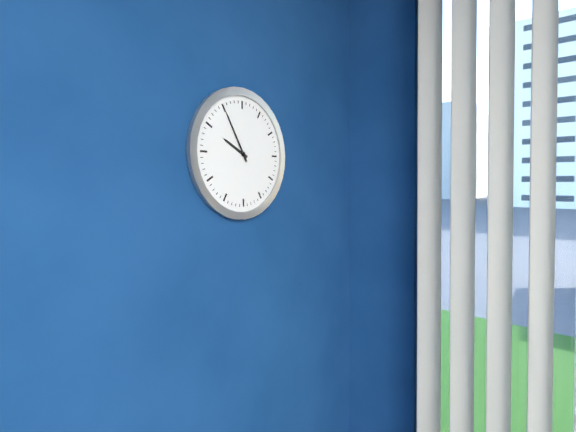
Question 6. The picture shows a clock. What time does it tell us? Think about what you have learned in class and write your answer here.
9:55
